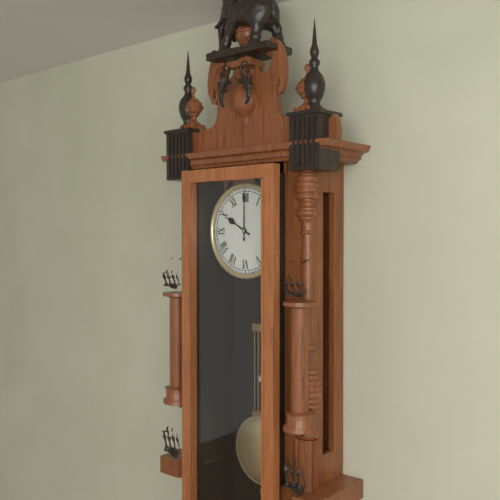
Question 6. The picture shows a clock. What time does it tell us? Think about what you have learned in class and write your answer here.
10:00
